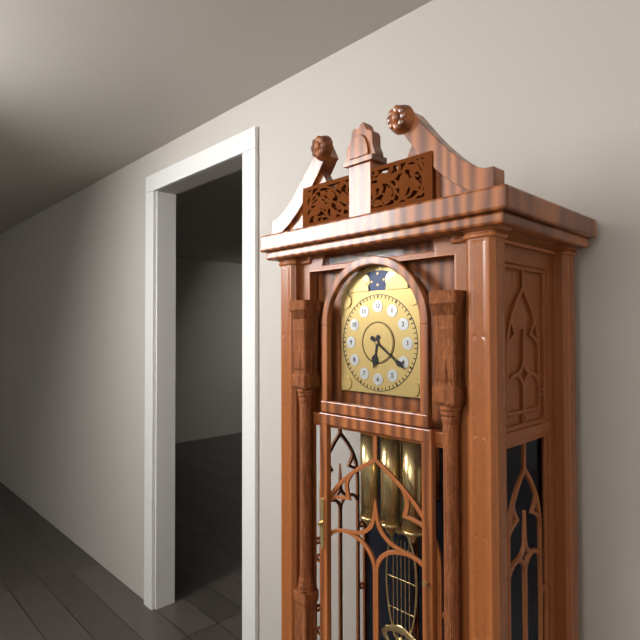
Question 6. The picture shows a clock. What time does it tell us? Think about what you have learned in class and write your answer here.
6:21
